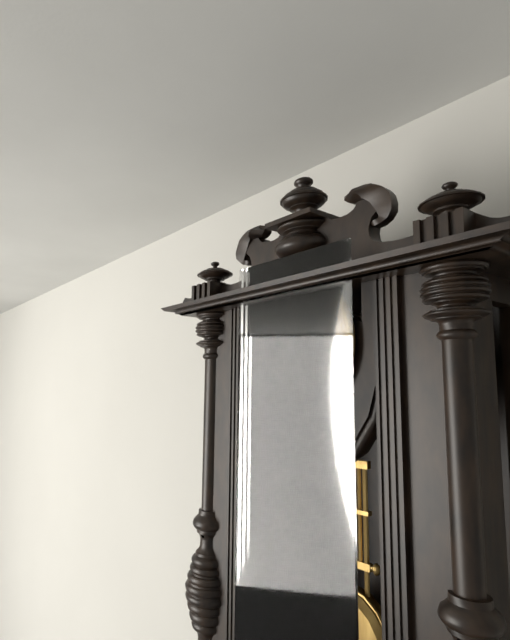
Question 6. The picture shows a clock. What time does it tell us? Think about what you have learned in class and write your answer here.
4:13
